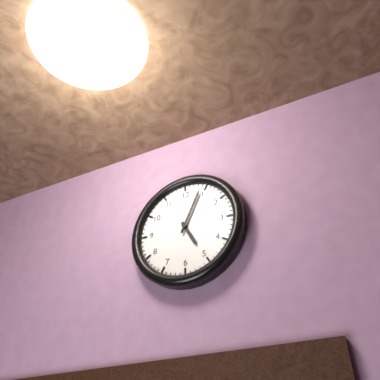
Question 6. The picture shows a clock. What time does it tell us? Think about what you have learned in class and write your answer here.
5:04
